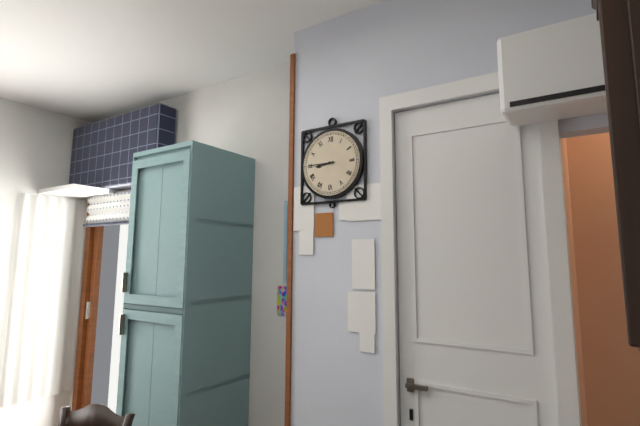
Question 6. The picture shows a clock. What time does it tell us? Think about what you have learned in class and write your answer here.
8:45
